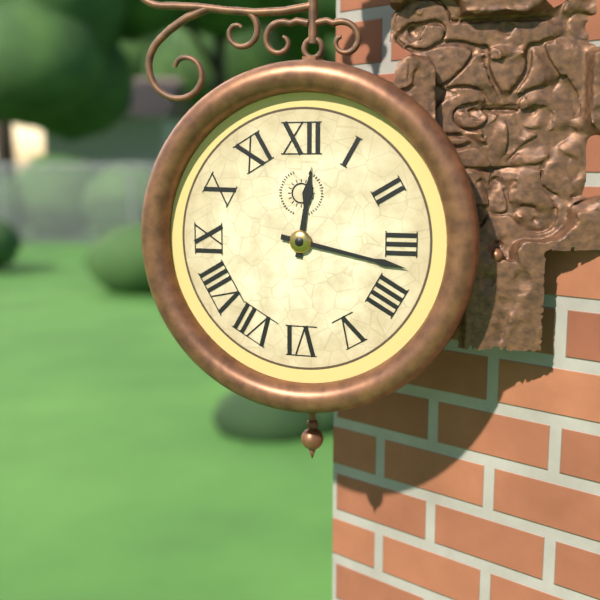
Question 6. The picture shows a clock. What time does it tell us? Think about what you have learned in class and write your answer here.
12:17
